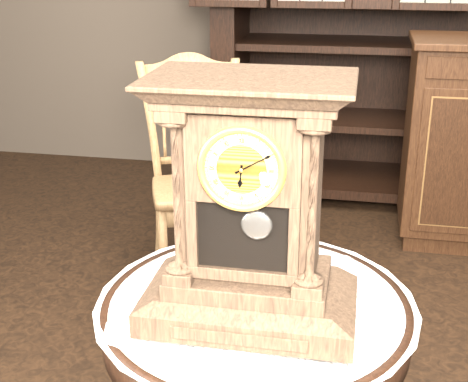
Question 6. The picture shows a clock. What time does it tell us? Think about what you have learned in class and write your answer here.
6:10
